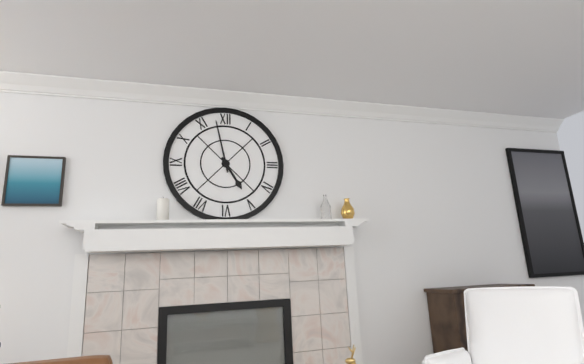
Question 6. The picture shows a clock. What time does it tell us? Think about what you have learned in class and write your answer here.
4:58
